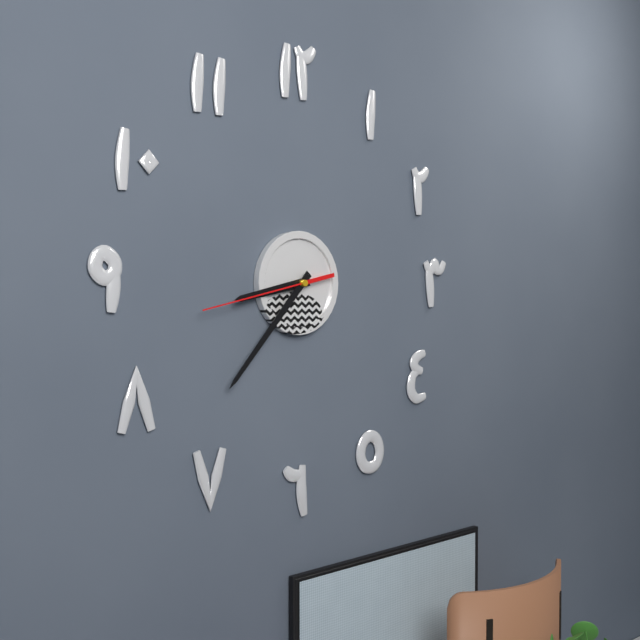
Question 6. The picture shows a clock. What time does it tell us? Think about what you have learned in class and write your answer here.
8:37:43
